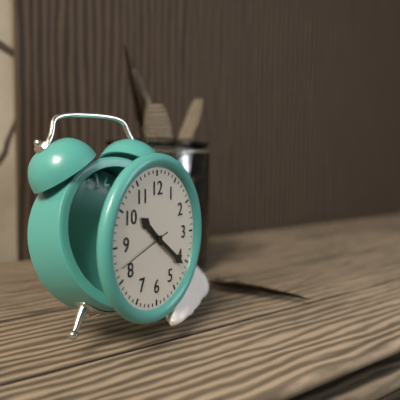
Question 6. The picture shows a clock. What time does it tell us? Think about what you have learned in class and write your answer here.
10:21:42
